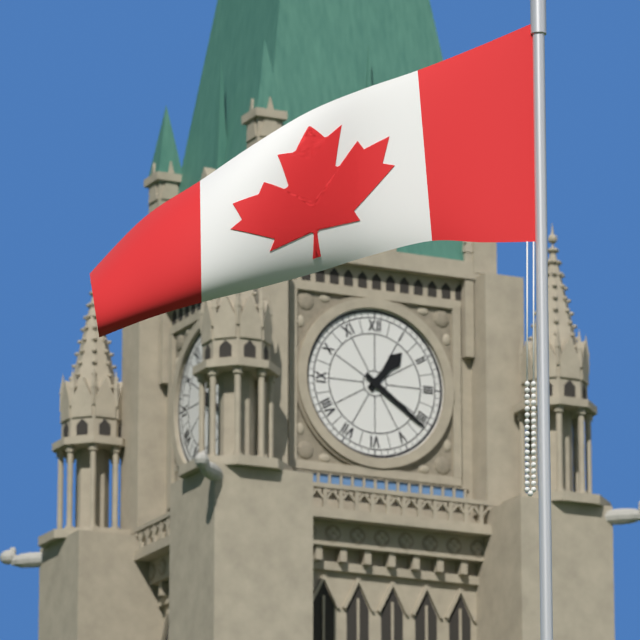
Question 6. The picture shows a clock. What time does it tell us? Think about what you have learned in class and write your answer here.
1:21
